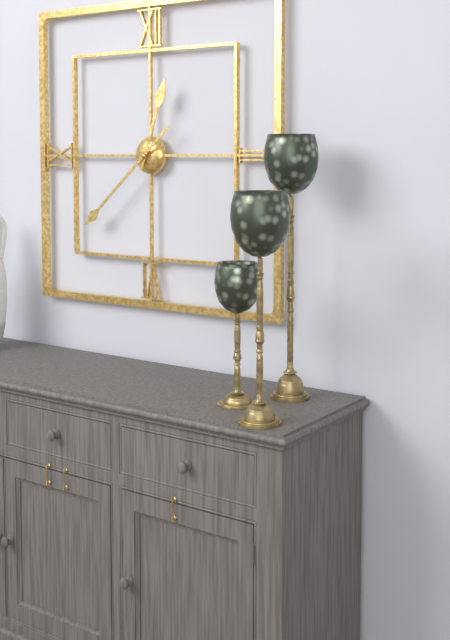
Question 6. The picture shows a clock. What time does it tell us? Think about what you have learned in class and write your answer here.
12:38
